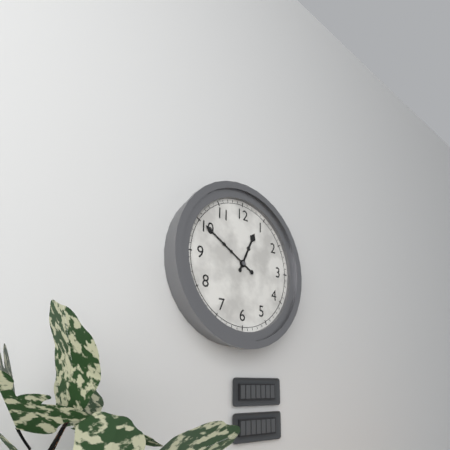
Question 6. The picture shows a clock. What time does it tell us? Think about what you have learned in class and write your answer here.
12:50
